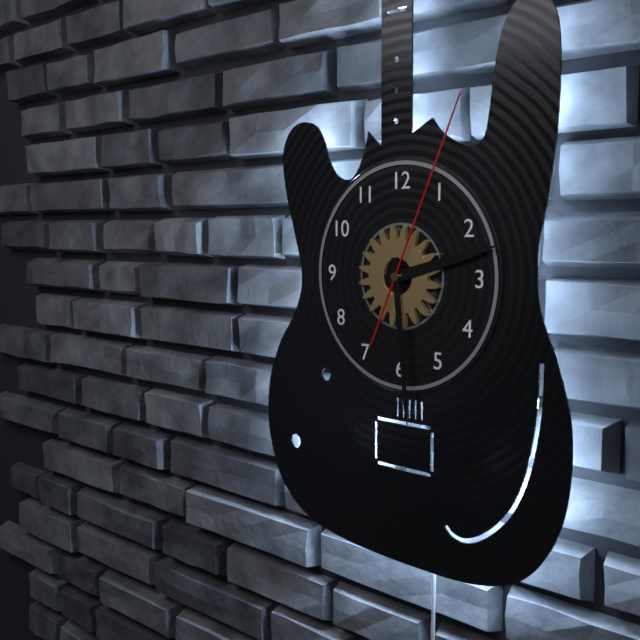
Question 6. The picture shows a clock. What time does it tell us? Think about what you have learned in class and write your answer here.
2:29:04
